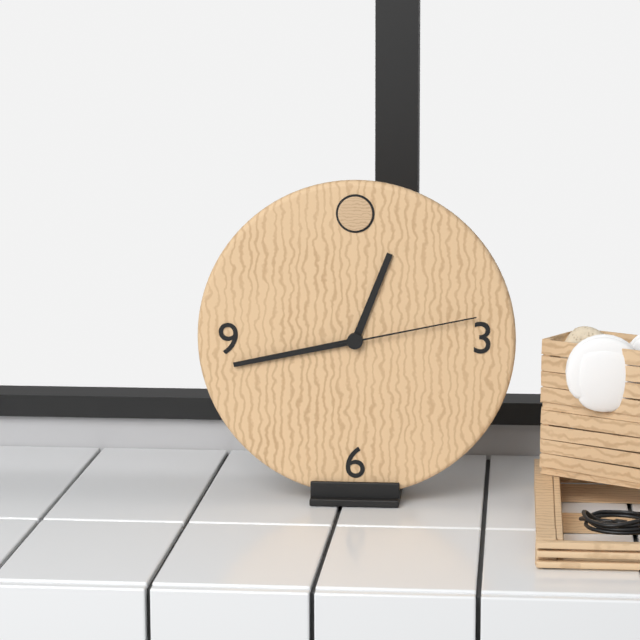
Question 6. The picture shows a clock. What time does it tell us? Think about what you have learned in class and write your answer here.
12:43:13
